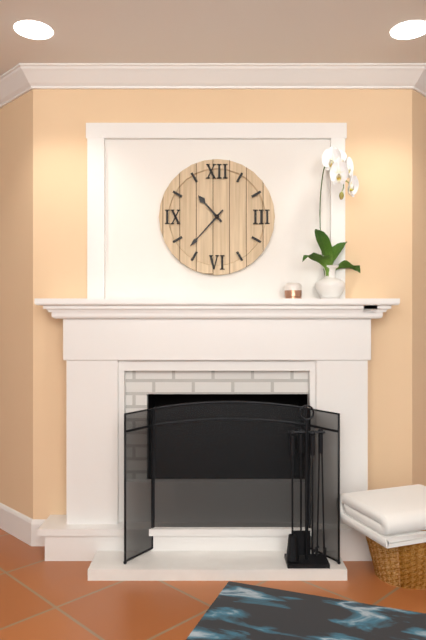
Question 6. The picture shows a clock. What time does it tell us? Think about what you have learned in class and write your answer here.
10:37
